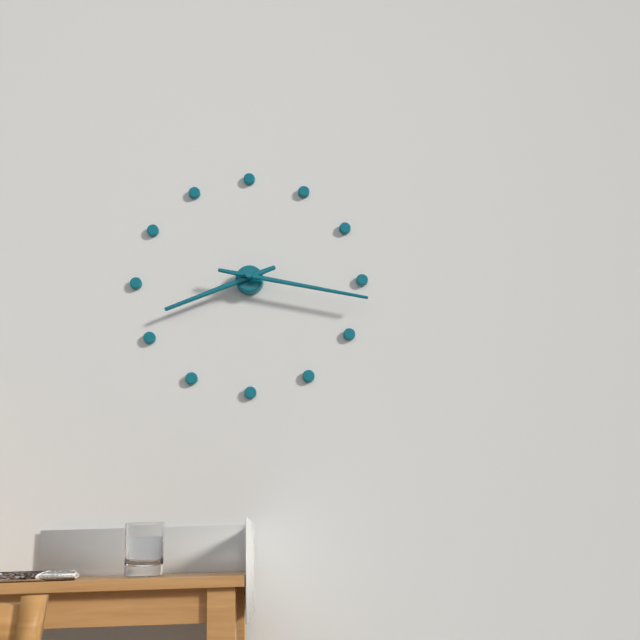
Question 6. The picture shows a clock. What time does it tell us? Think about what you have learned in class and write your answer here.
8:17
